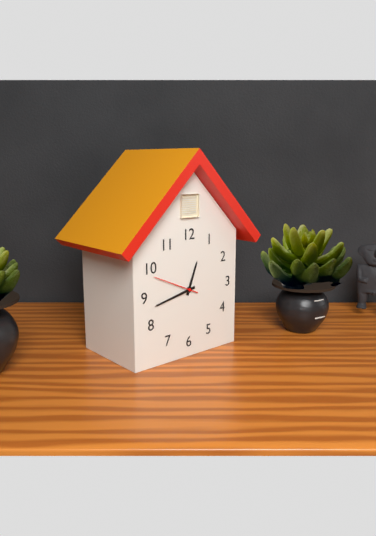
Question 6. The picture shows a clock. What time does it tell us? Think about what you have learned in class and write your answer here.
12:43
